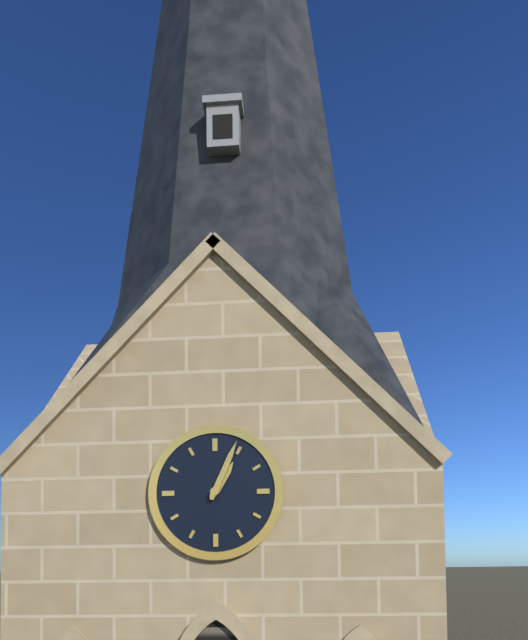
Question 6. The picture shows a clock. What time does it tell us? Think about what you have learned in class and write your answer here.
1:04
